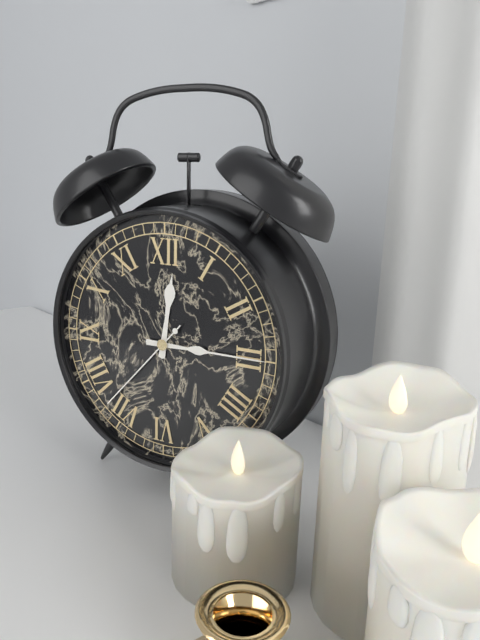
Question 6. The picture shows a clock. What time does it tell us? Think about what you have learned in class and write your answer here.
12:15:37
